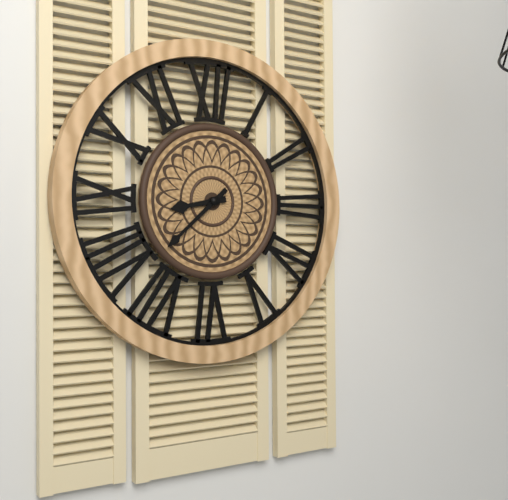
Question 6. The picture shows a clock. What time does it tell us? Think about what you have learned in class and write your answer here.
8:38
